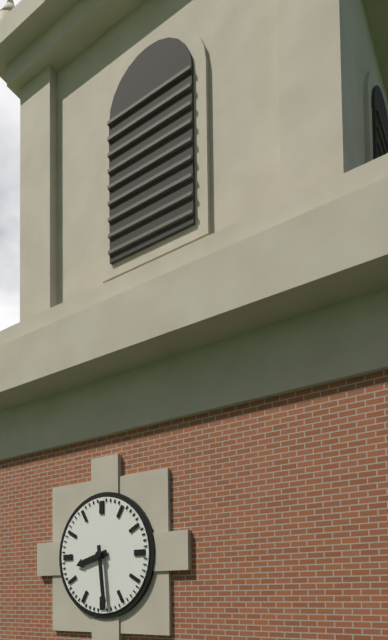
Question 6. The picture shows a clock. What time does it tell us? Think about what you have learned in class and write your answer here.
8:29
